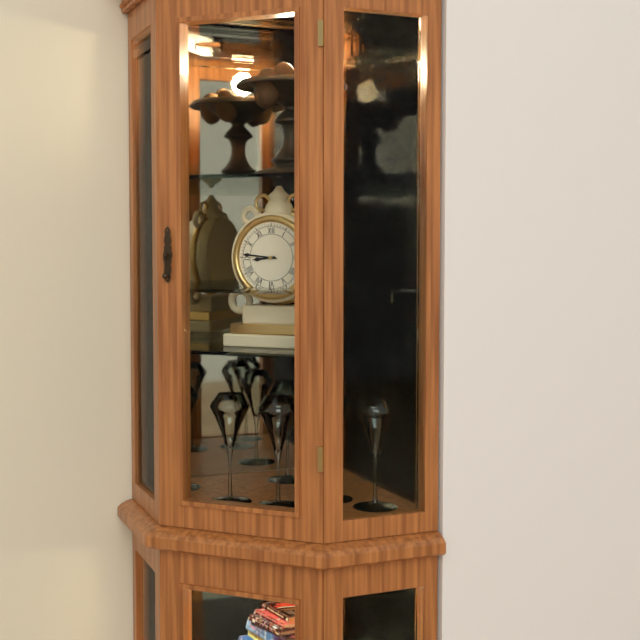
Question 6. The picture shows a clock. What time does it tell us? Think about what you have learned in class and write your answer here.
8:46
